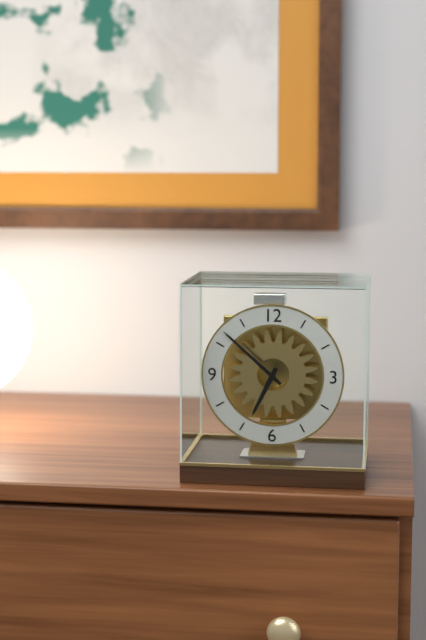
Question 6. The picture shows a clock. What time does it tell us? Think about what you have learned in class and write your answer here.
6:52
